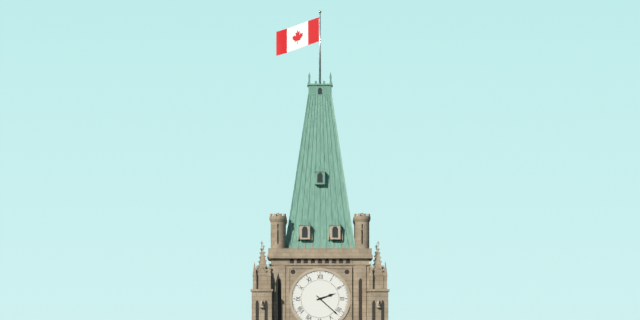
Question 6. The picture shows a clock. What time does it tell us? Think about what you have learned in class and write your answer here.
2:22
